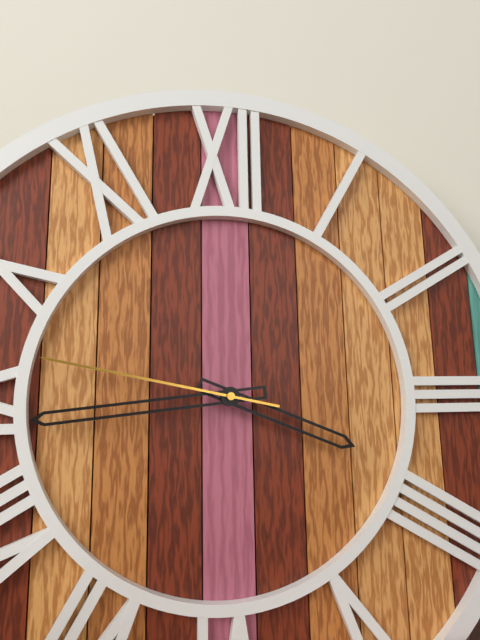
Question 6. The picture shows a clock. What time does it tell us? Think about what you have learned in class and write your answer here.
3:44:47
